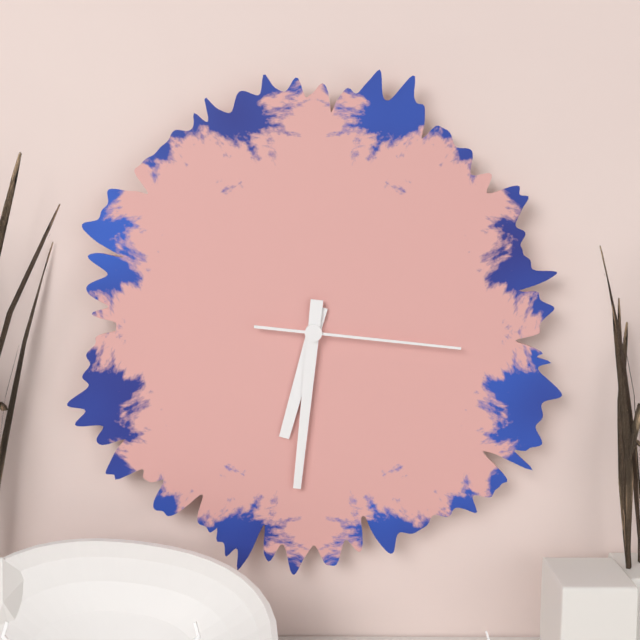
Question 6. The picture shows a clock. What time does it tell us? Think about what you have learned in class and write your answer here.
6:31:16
